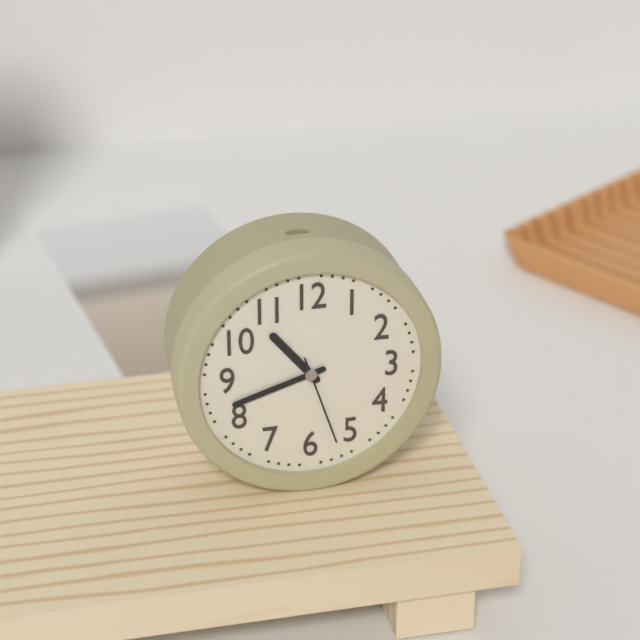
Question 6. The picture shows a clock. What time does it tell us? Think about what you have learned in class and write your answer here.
10:42:27
